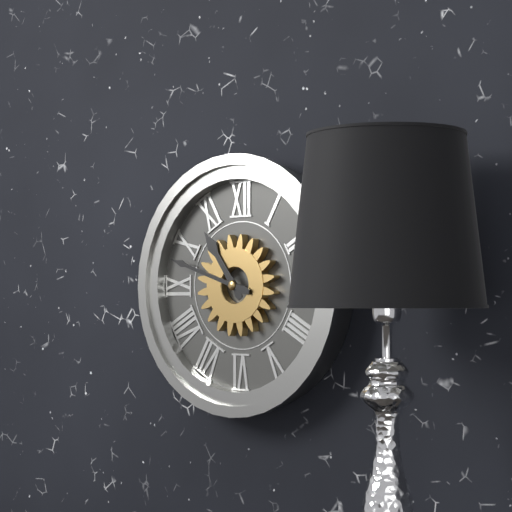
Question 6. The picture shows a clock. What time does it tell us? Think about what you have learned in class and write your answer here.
10:48
